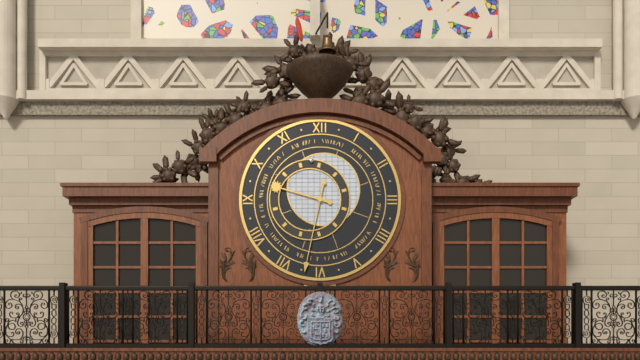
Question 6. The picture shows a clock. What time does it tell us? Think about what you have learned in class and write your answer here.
9:32
